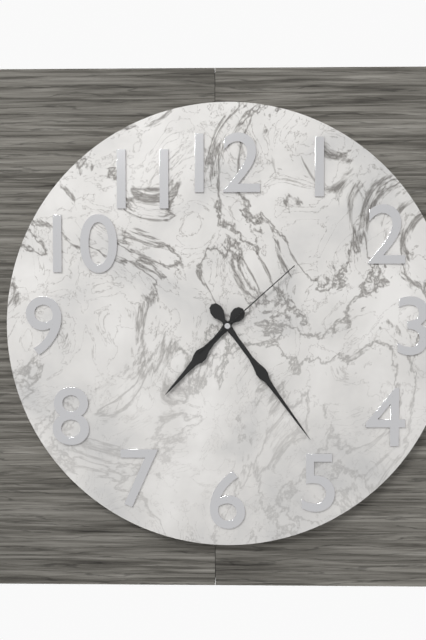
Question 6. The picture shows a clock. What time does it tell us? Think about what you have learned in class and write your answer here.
7:24:08
